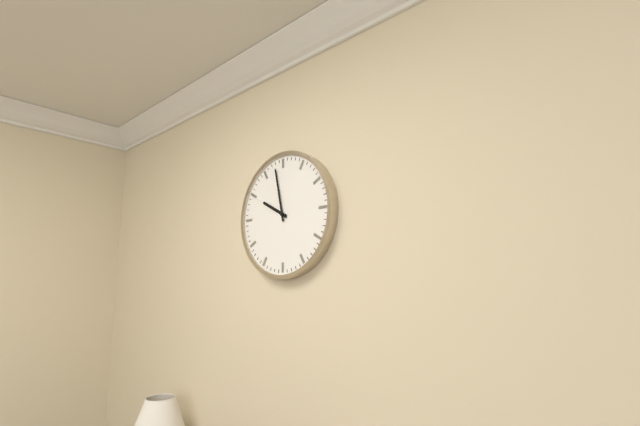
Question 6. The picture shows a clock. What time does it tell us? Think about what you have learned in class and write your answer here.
9:58
